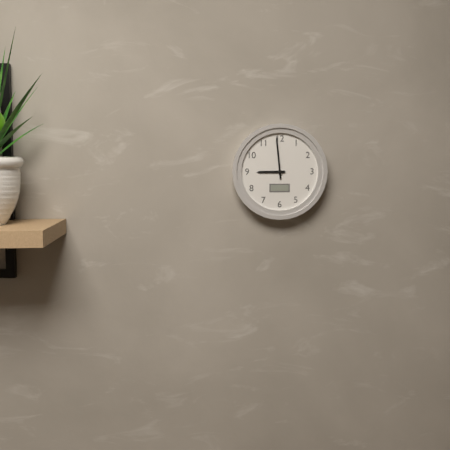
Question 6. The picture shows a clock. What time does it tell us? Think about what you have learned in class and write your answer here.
8:59
